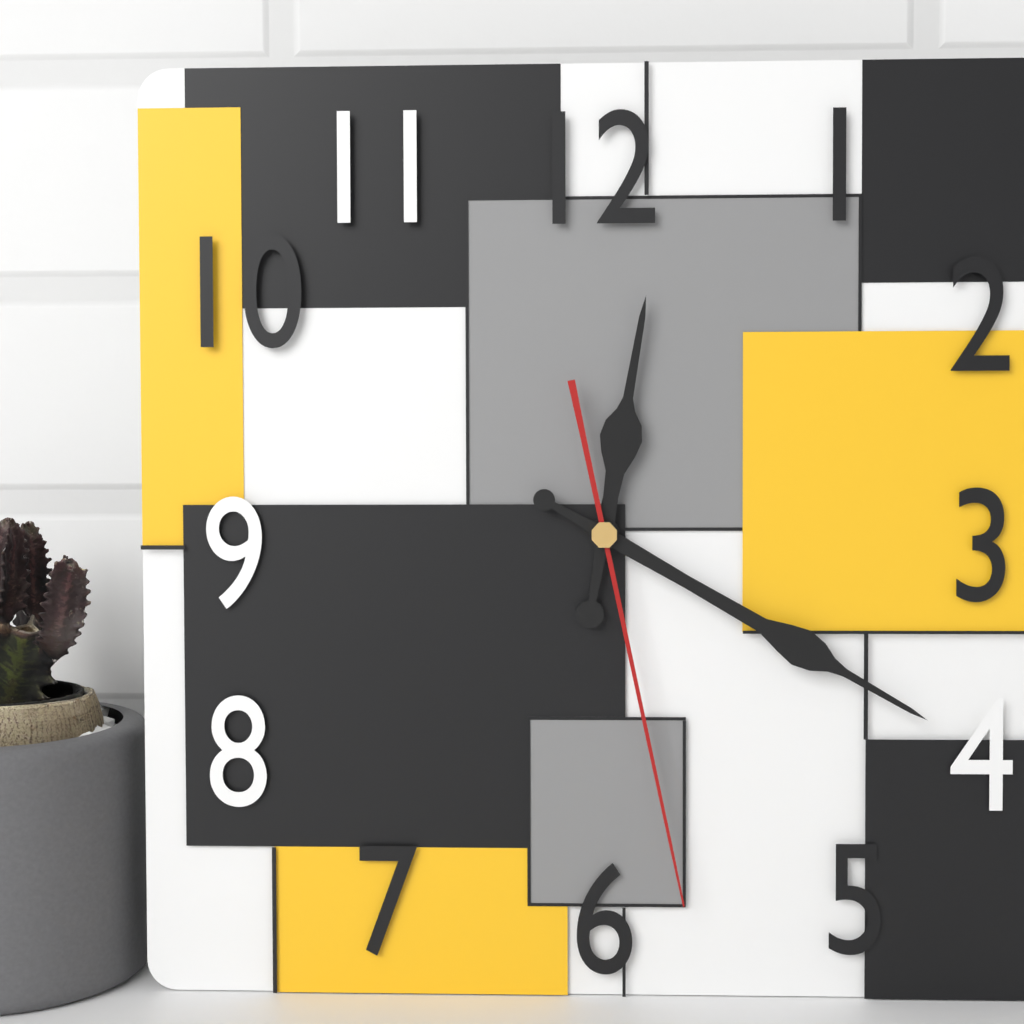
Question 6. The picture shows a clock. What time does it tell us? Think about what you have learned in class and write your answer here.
12:20:28
